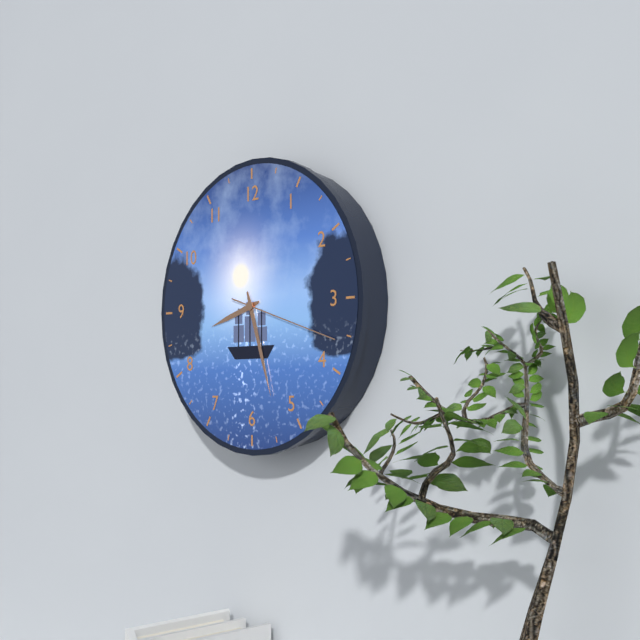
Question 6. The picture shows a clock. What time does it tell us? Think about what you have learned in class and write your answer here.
8:27:18
